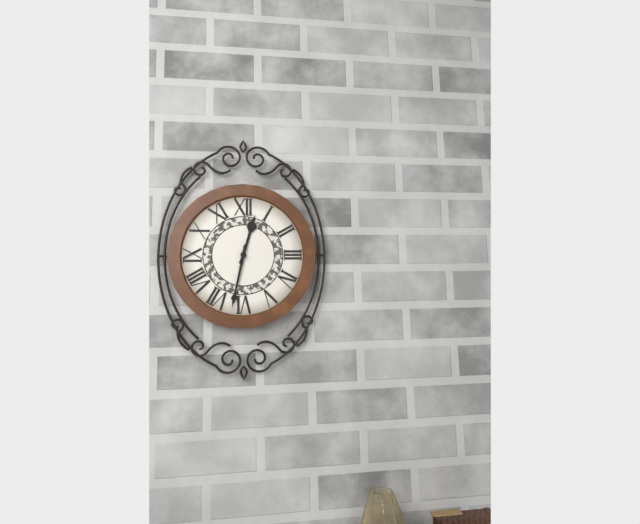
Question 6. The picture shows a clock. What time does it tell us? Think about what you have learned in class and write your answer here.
12:32
